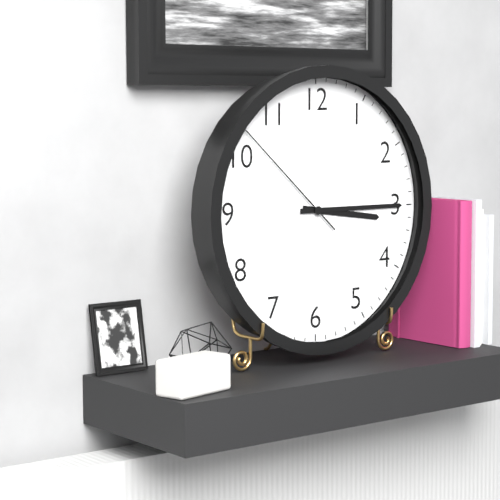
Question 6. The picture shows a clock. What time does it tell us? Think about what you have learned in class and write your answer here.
3:15:52
